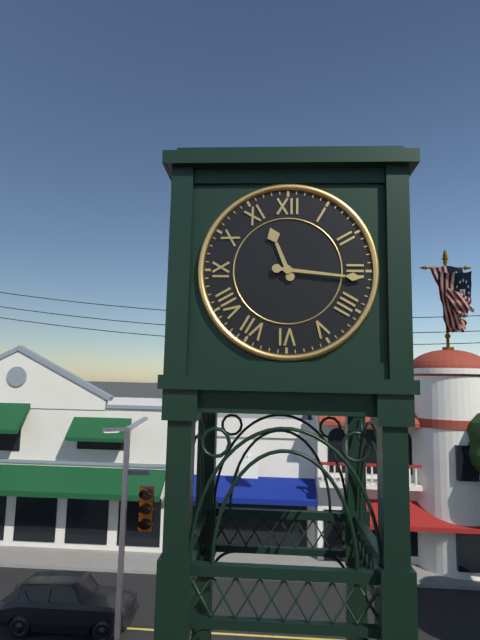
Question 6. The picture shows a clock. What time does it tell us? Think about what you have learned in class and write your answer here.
11:16
